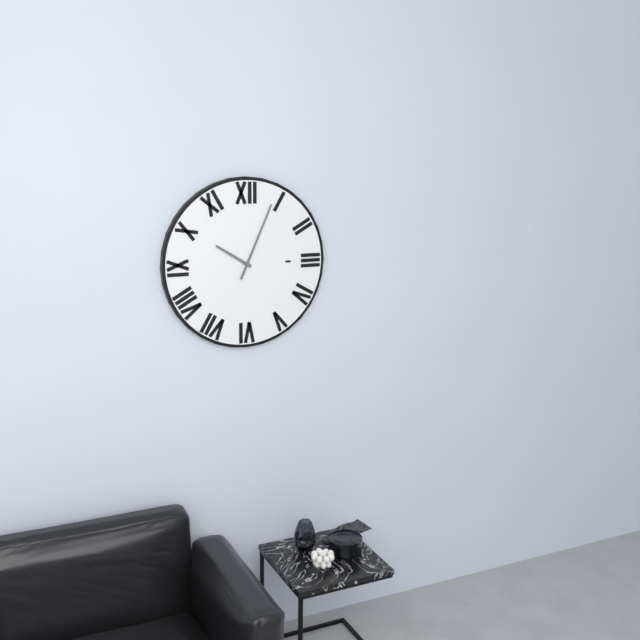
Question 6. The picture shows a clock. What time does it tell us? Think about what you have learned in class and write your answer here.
10:04
